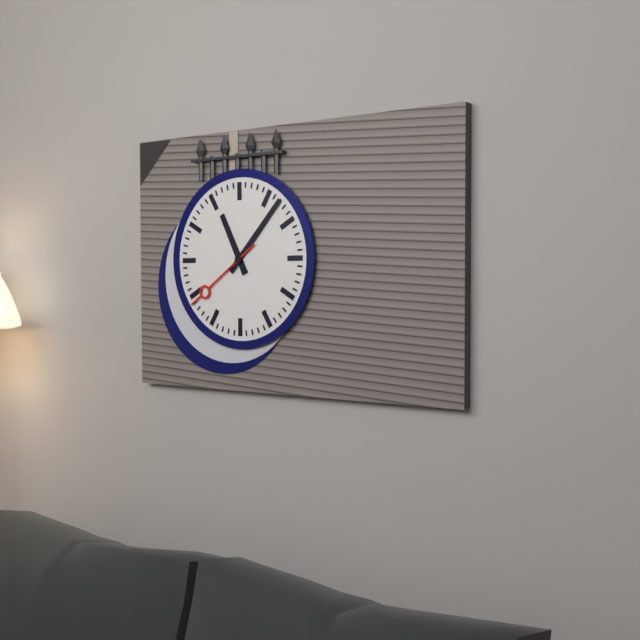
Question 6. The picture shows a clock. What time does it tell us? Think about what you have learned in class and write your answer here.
11:07:39
